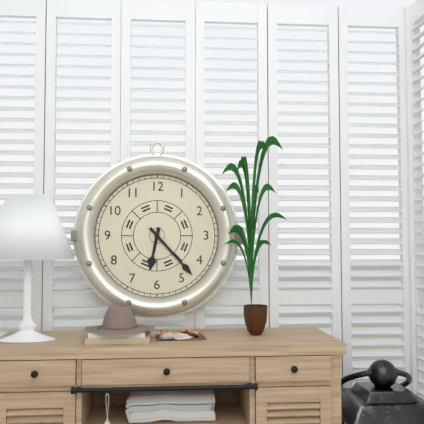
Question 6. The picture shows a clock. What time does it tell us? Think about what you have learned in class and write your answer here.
6:23
